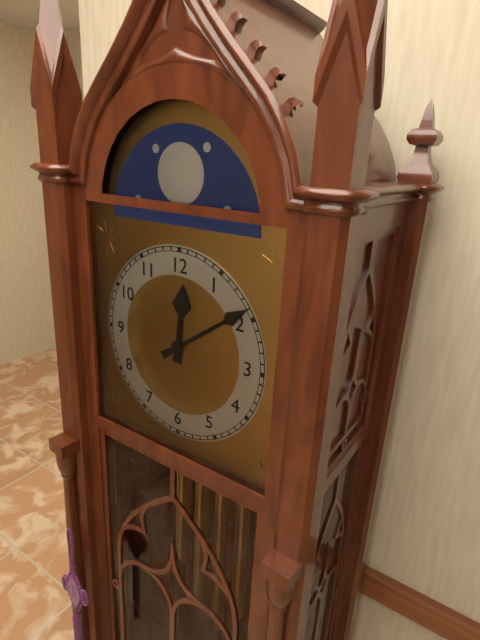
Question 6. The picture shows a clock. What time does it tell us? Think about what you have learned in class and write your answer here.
12:09
